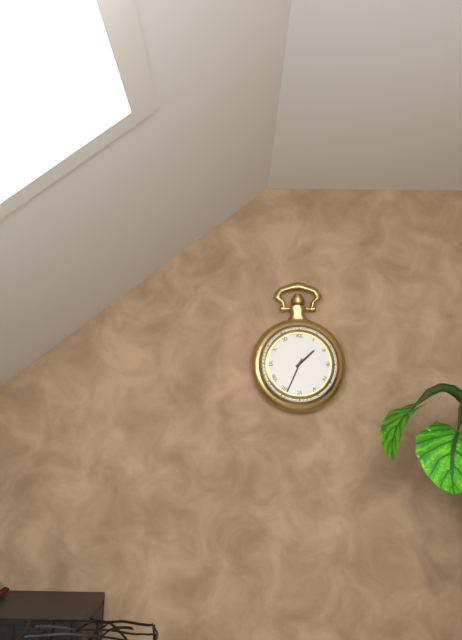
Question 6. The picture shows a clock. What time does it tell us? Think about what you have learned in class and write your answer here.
1:34
